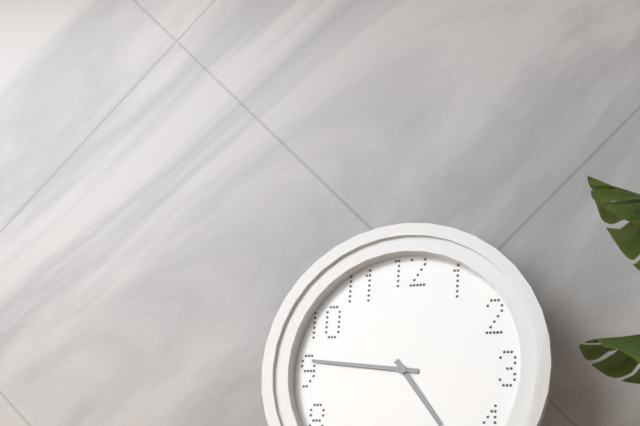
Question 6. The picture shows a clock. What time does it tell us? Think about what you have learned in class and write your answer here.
4:46
